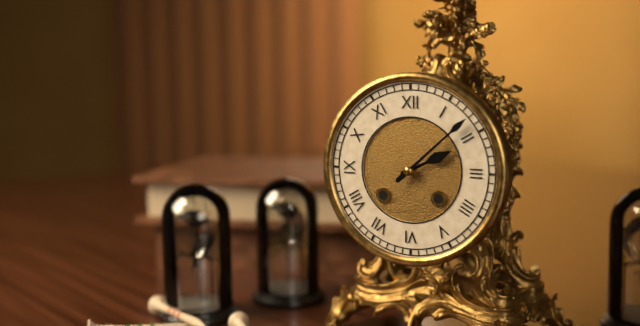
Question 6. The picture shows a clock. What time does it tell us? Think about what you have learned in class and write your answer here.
2:08
